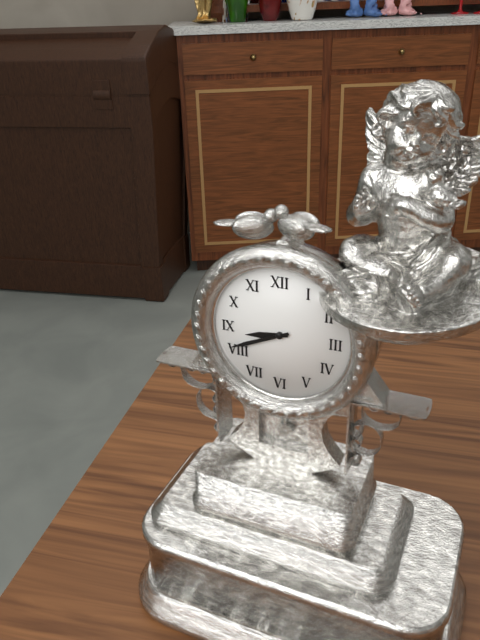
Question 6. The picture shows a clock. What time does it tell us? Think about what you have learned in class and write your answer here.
8:41
